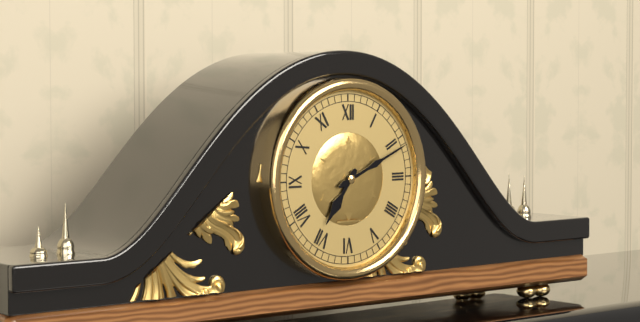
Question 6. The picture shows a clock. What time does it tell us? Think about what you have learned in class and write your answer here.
7:11
